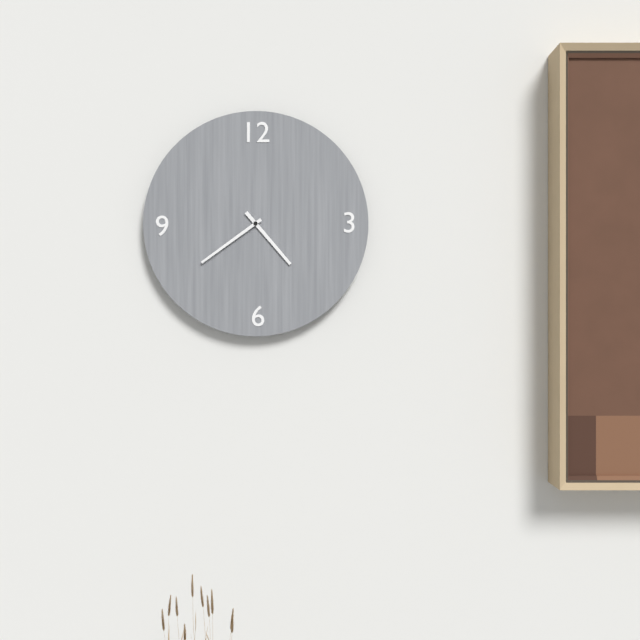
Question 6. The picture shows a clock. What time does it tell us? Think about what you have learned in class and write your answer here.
4:39
